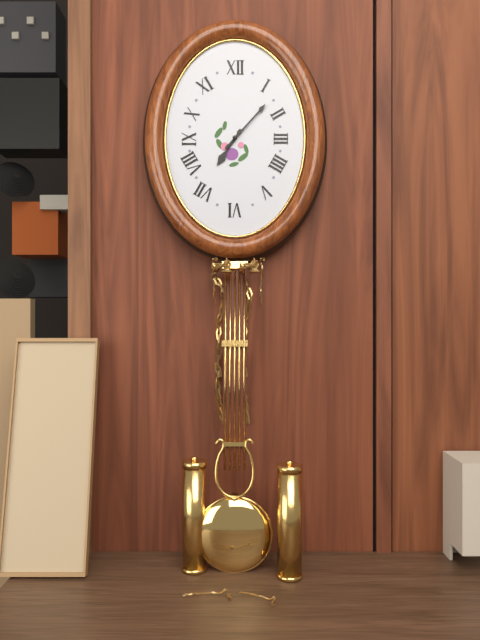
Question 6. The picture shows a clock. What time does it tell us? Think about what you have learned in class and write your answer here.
7:07
